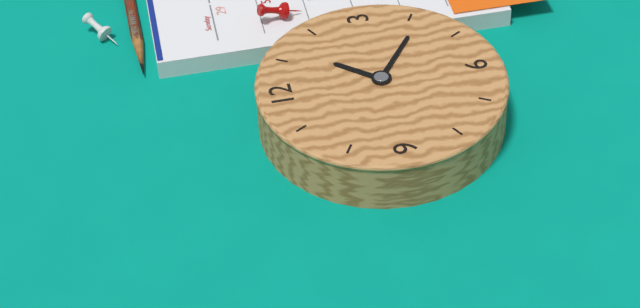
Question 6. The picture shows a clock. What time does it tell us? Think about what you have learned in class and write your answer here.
1:21
